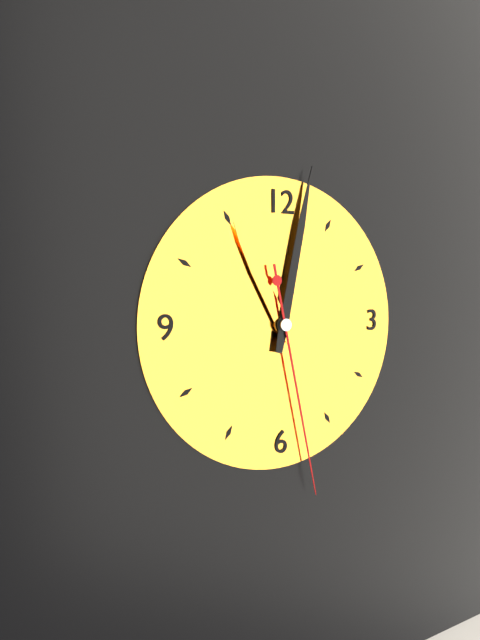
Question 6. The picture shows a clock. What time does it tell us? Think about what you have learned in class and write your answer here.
11:02:28
